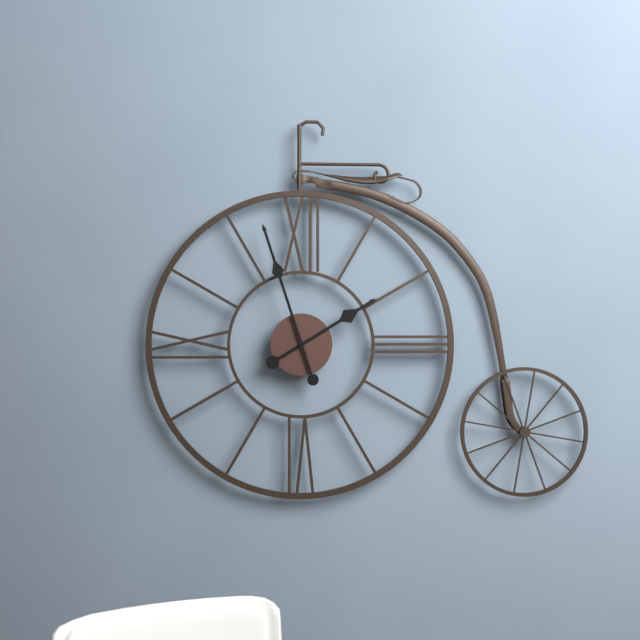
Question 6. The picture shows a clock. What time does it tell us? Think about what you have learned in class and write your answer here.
1:57
